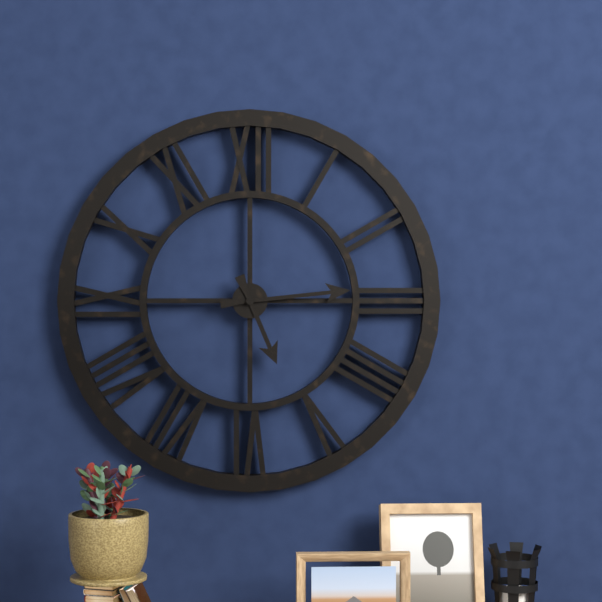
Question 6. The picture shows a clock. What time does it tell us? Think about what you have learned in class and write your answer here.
5:14
